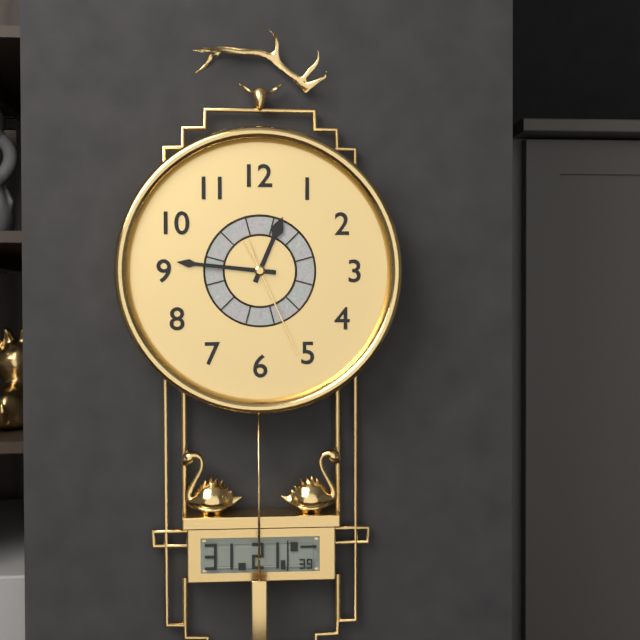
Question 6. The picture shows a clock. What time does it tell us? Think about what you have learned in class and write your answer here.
12:46:26
